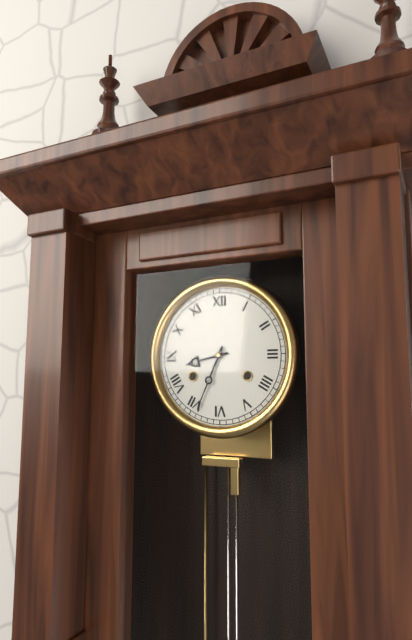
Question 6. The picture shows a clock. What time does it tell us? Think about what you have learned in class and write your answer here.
8:34
